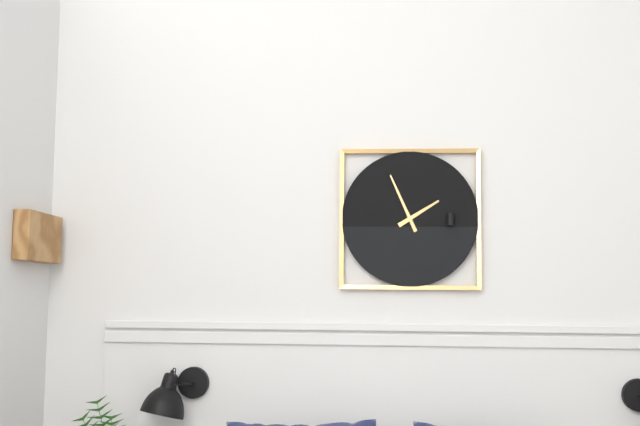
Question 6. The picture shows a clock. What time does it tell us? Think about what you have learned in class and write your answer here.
1:56
